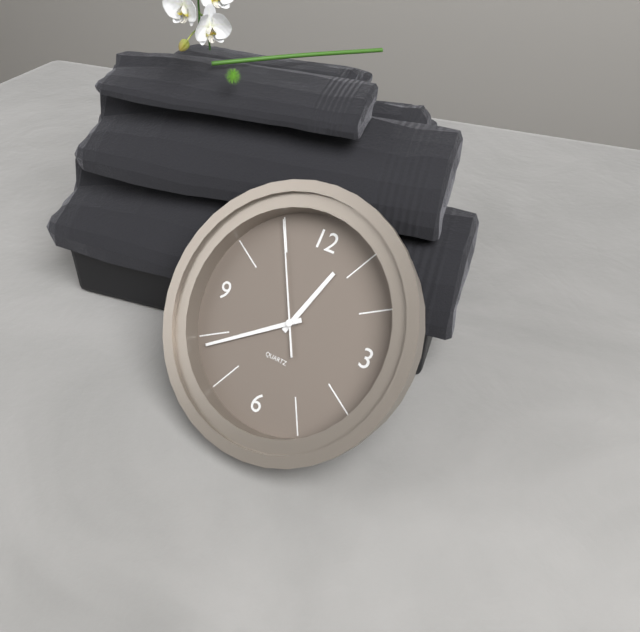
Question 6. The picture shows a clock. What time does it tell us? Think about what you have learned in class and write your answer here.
12:39:55
